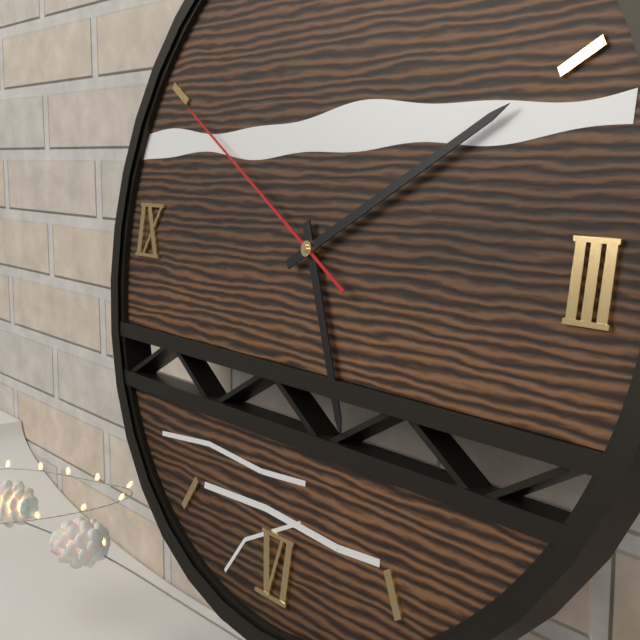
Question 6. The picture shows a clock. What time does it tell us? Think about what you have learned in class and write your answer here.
5:10:50
